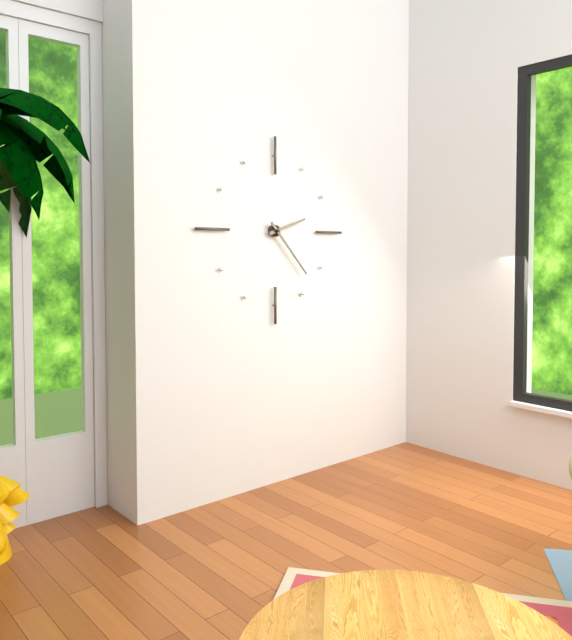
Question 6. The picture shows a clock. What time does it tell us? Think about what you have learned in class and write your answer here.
2:23
